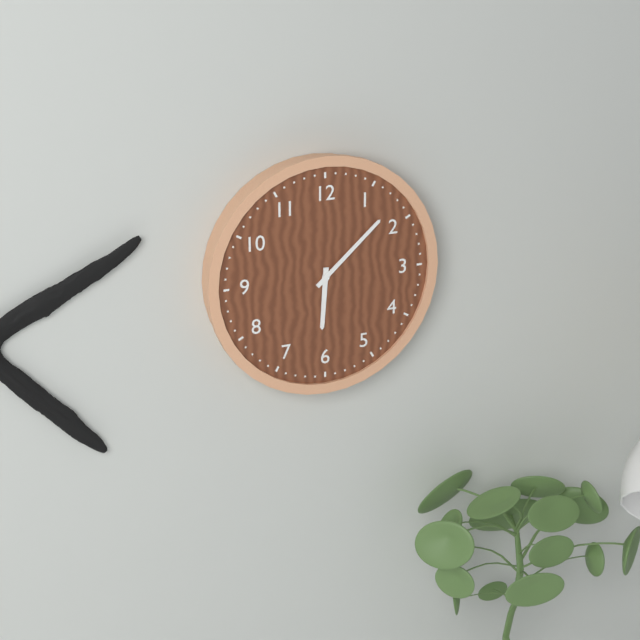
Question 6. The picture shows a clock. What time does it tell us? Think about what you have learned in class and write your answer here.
6:08
